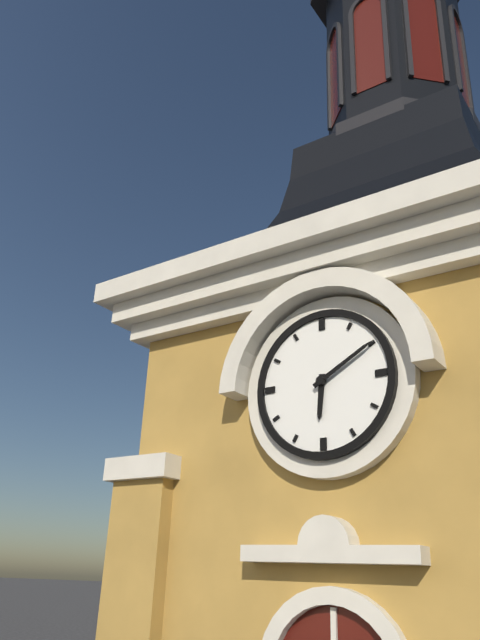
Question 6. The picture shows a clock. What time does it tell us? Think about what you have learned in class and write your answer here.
6:10
